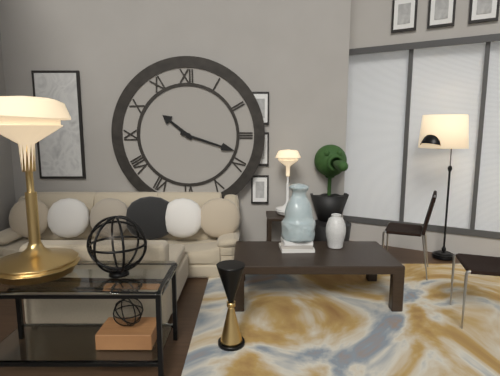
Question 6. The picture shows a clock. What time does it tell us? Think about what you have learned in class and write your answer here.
10:18
